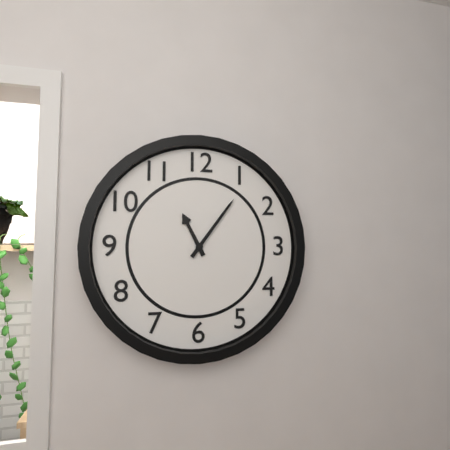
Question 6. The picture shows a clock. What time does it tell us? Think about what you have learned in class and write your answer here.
11:06
